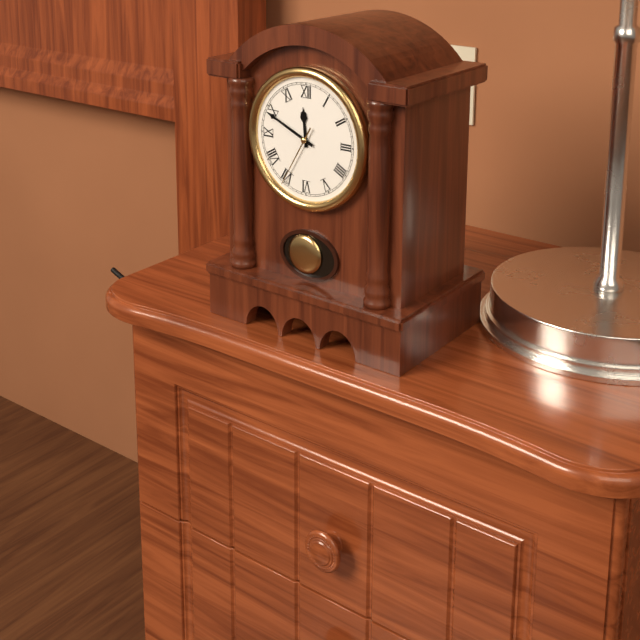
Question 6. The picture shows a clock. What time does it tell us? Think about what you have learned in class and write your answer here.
11:49:35
